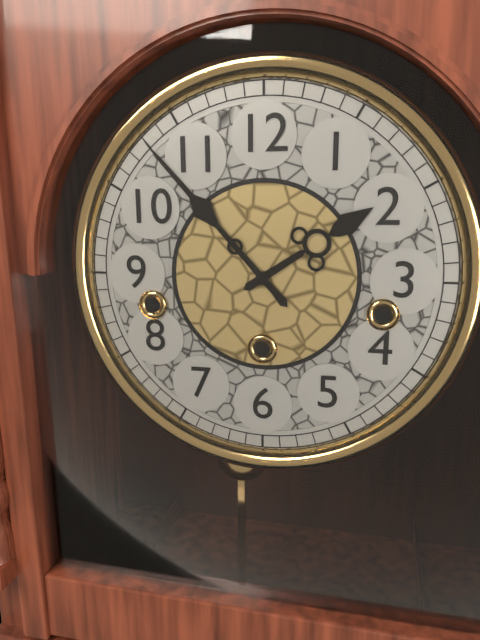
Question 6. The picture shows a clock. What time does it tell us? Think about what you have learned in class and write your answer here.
1:53
